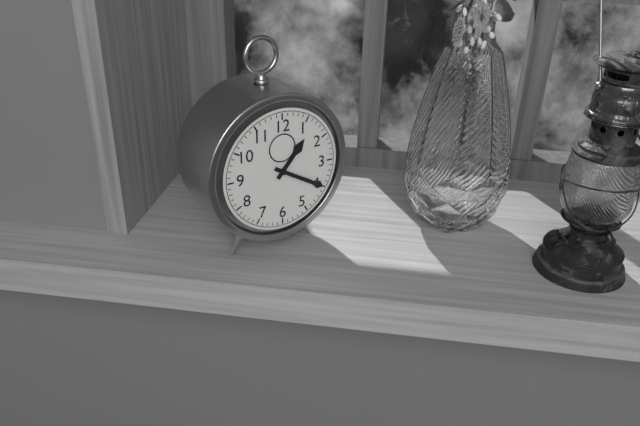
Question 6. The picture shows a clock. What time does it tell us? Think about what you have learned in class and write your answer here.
1:20
